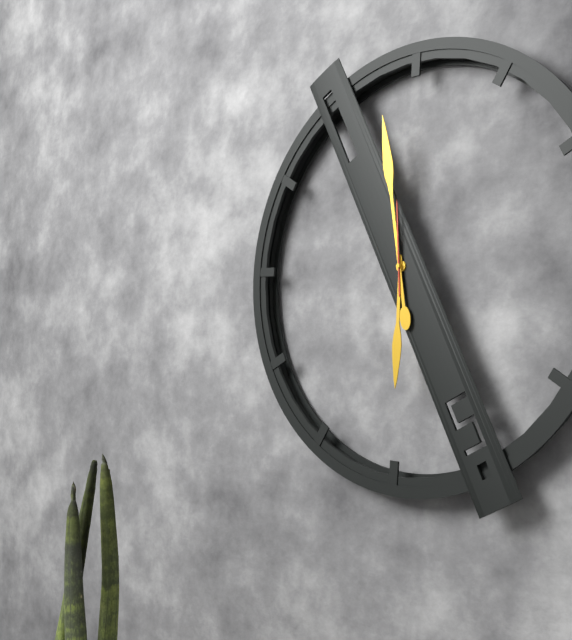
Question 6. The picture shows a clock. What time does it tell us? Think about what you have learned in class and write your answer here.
5:58:59
